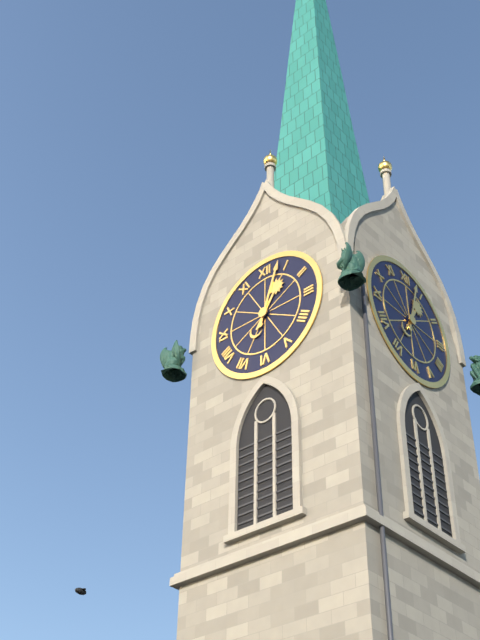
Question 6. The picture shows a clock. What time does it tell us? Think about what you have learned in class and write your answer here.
1:03
